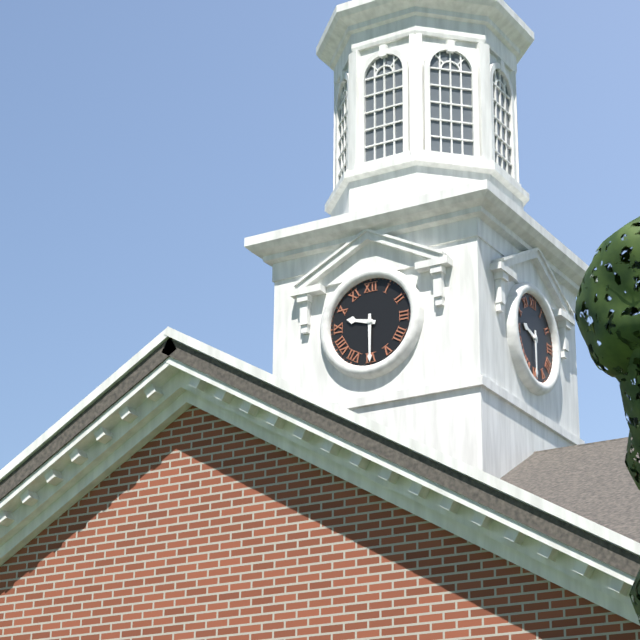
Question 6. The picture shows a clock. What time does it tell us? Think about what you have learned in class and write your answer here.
9:30
